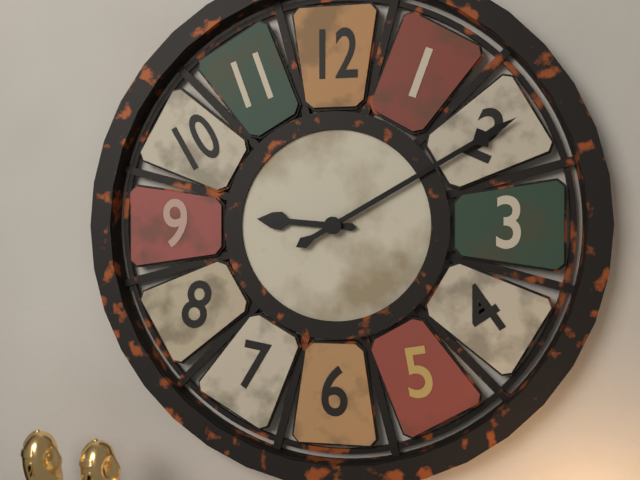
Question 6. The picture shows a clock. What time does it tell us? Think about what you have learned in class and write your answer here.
9:10
